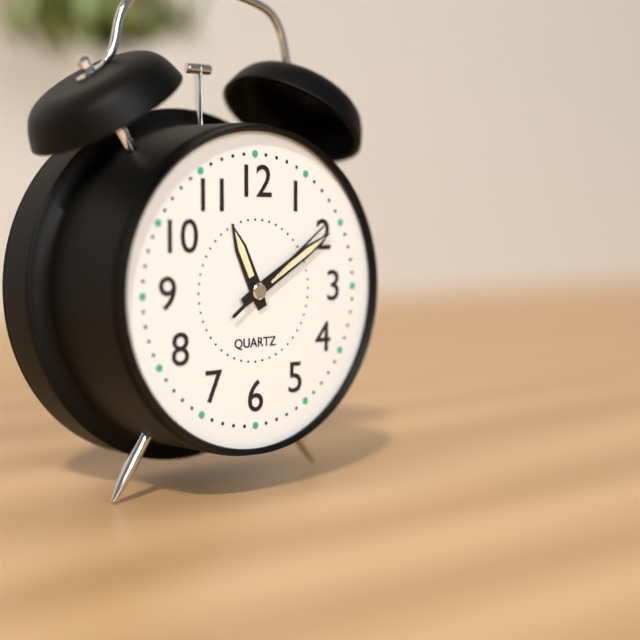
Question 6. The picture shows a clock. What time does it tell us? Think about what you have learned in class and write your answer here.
11:10:09
